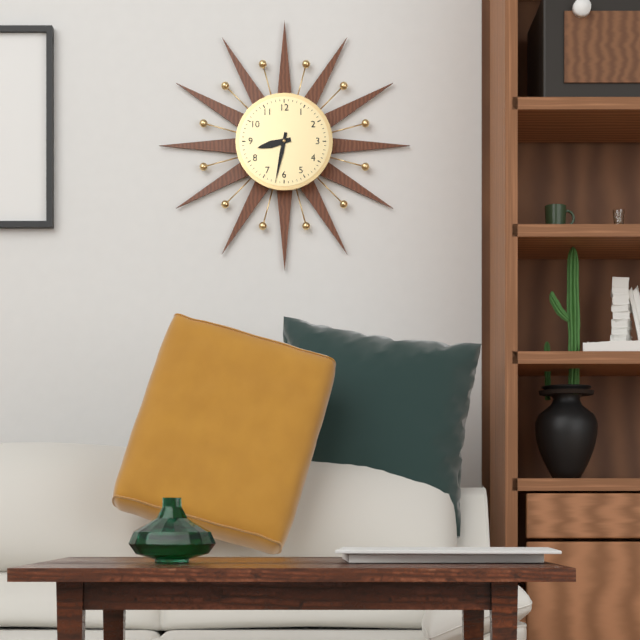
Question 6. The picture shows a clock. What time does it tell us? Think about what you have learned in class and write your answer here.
8:32
